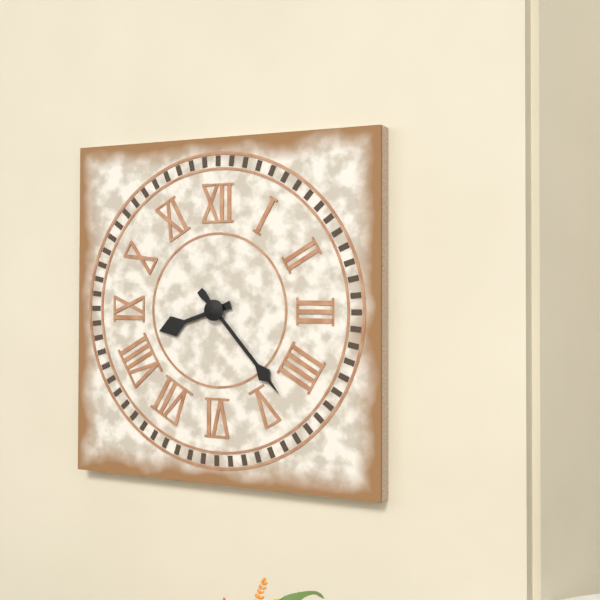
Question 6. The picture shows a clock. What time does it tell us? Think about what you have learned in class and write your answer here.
8:23
